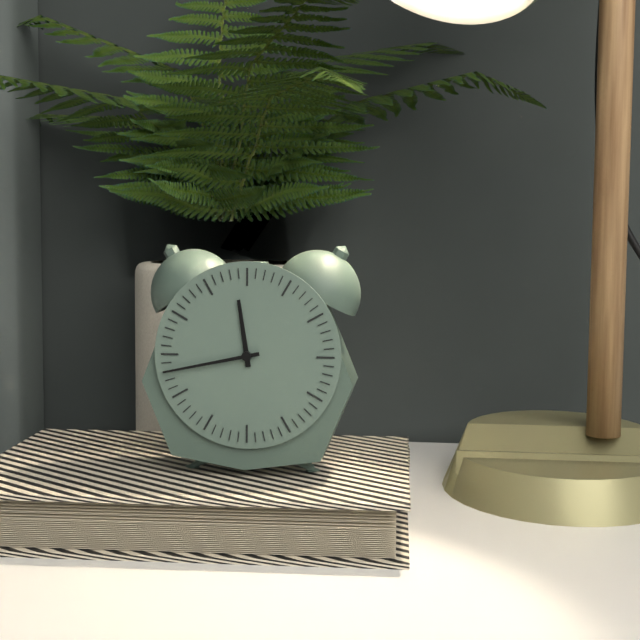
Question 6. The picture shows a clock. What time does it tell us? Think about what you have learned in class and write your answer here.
11:43
